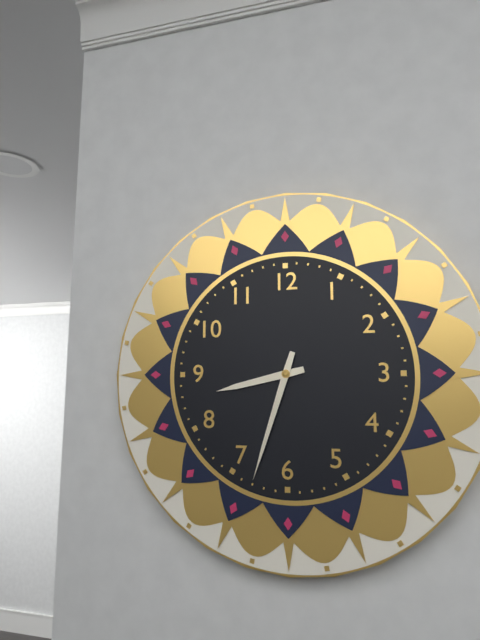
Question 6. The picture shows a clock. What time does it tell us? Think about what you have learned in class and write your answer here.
8:33
